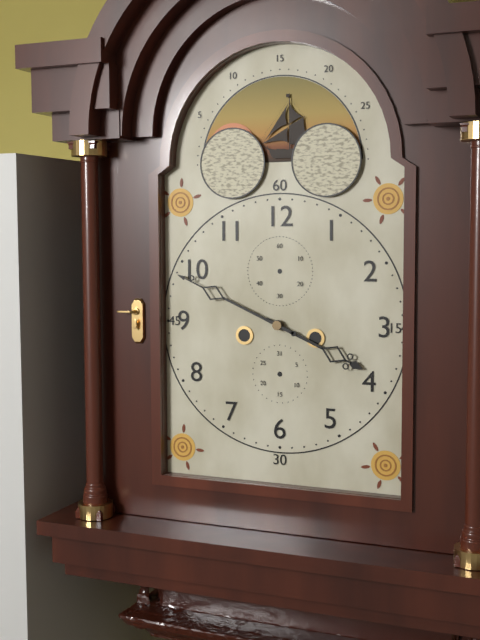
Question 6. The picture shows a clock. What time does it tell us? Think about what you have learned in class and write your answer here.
3:49
